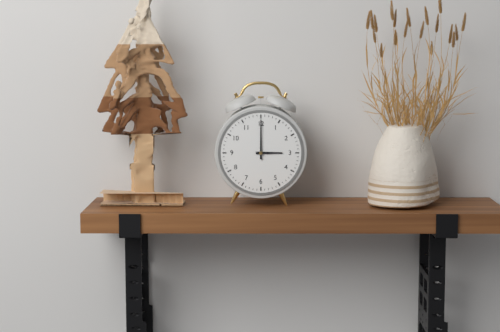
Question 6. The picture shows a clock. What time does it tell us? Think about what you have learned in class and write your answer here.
3:00
